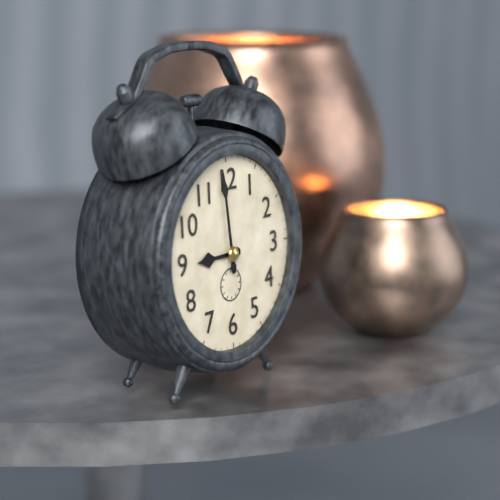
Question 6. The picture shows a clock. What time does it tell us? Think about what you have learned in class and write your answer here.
8:59
